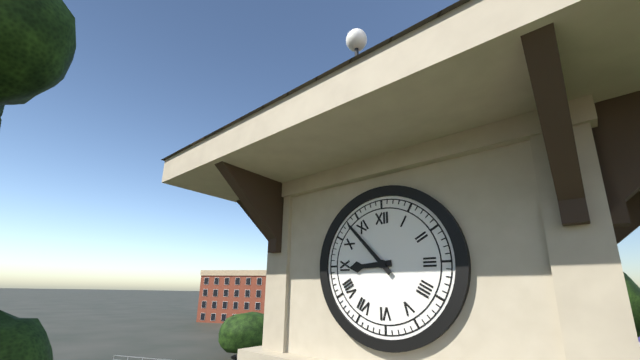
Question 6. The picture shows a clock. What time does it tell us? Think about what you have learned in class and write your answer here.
8:53
